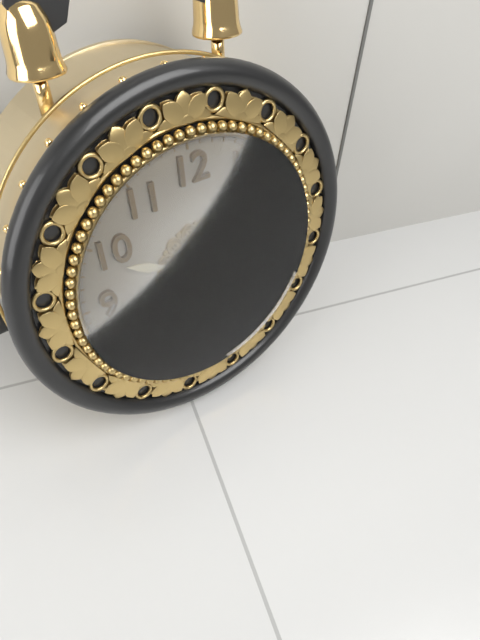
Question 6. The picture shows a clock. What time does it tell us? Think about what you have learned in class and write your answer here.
9:49:37
